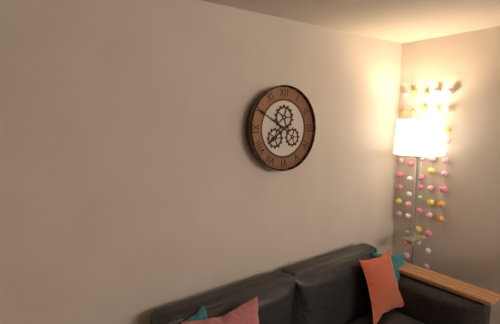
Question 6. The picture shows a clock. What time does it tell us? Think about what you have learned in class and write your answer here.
7:50
